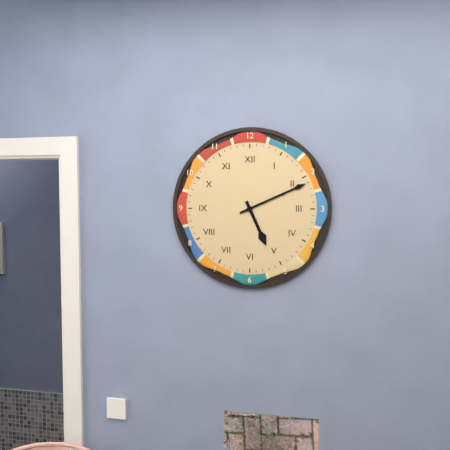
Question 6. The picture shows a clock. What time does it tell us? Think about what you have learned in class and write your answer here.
5:11
